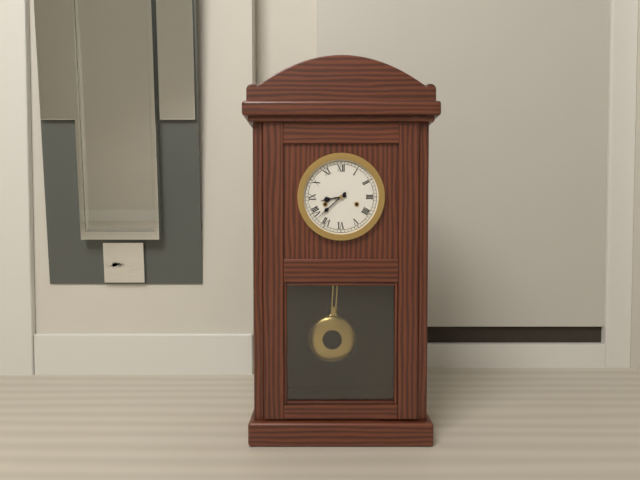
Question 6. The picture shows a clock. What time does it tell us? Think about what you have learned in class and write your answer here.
8:38
